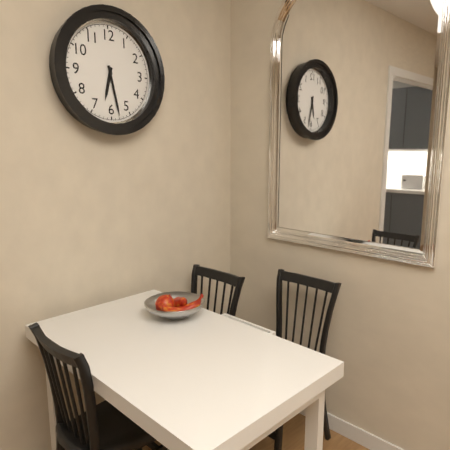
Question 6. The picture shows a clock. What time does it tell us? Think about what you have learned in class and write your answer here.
6:28
